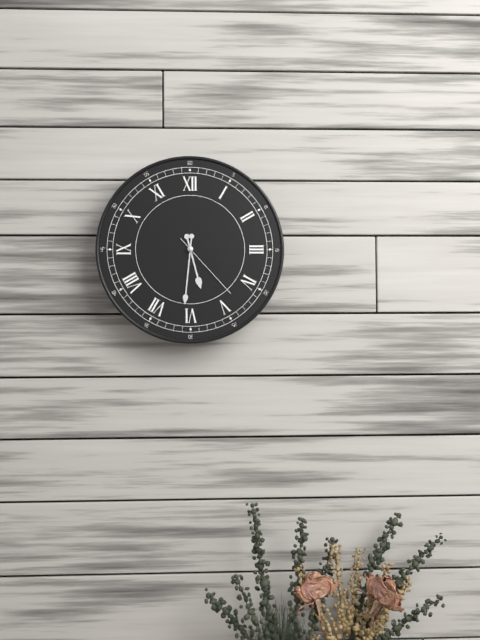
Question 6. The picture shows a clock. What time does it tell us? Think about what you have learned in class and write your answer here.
5:31:23
